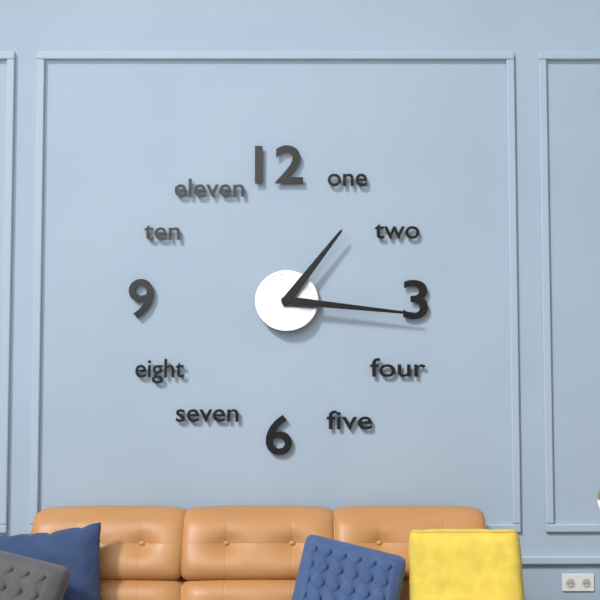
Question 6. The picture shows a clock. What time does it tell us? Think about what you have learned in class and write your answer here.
1:16
